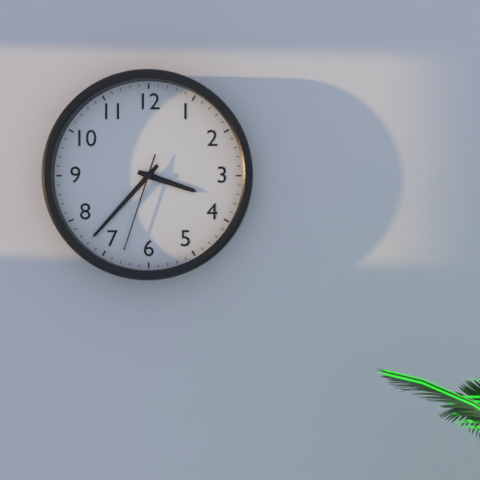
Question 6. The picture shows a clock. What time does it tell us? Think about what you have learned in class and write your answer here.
3:37:33
